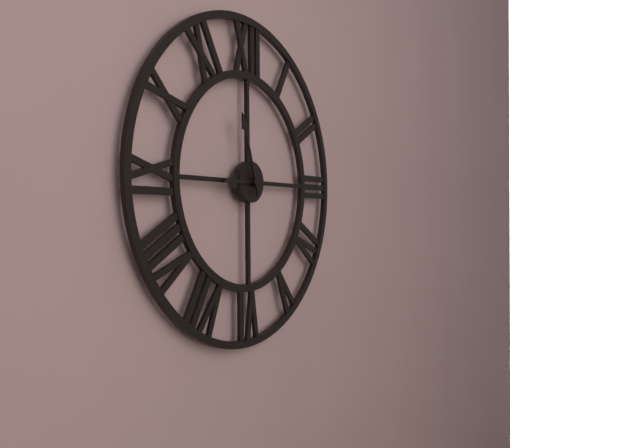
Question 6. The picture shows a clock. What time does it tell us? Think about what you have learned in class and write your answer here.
8:57
